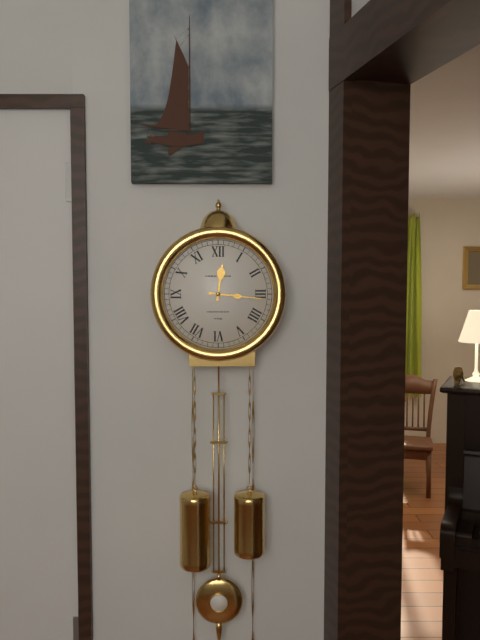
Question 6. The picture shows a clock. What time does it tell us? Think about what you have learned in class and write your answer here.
12:16
